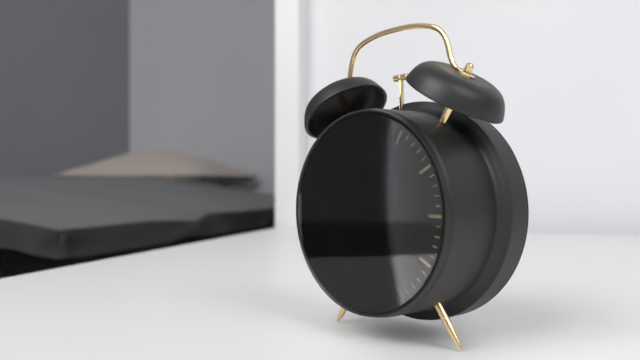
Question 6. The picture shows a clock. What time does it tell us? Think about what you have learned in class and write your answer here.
9:49:27
